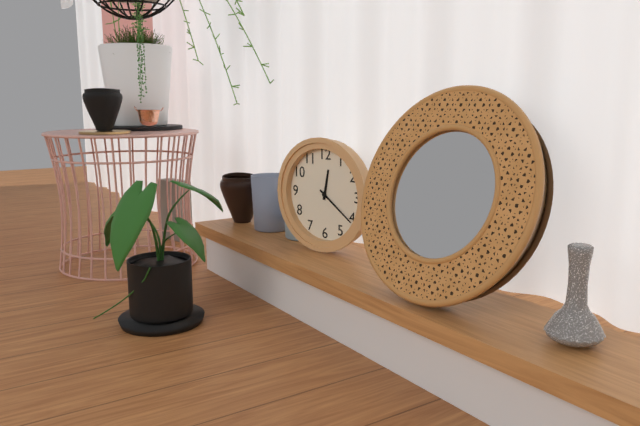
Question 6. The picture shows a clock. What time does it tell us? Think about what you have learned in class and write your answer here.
12:21
